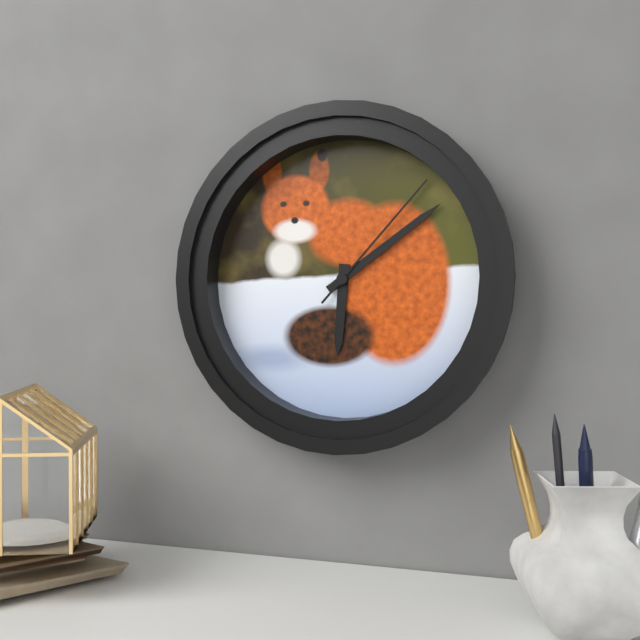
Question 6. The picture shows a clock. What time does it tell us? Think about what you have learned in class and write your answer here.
6:09:07
